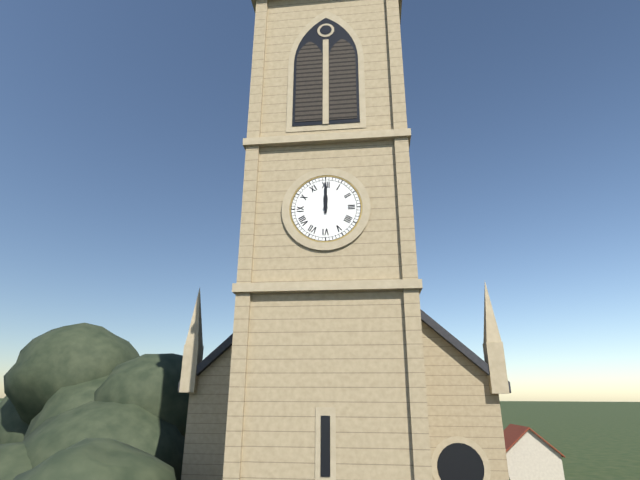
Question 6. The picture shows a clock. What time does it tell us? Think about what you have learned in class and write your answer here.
12:00
